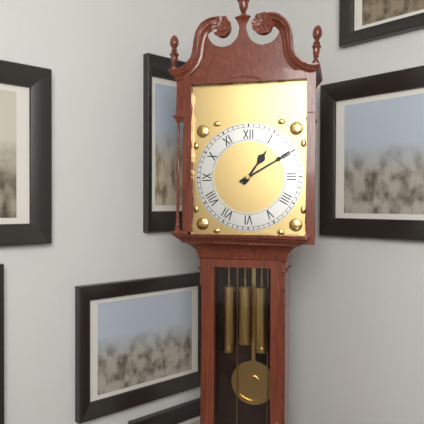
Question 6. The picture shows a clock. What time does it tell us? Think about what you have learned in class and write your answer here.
1:10
